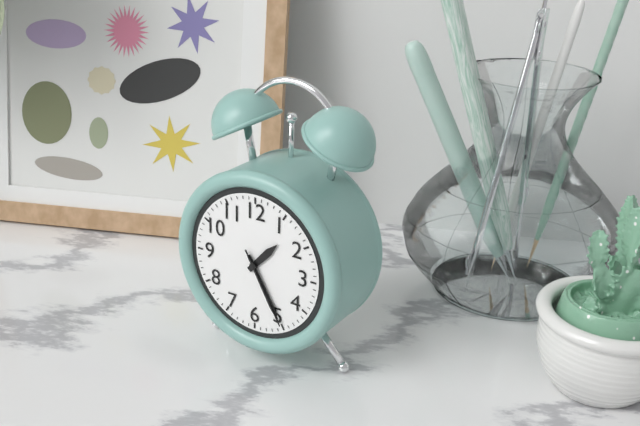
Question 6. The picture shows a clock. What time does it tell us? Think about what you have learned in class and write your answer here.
1:25:25
